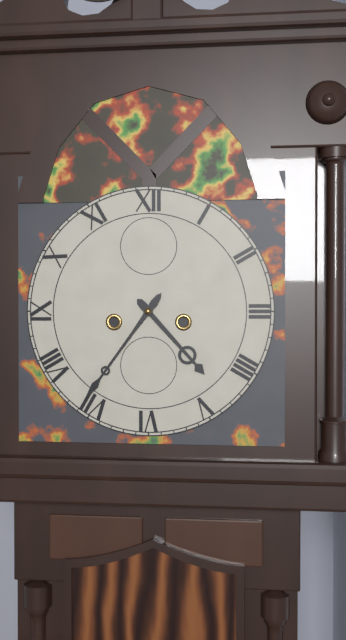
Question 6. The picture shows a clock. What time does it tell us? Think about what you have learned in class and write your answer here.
4:36
